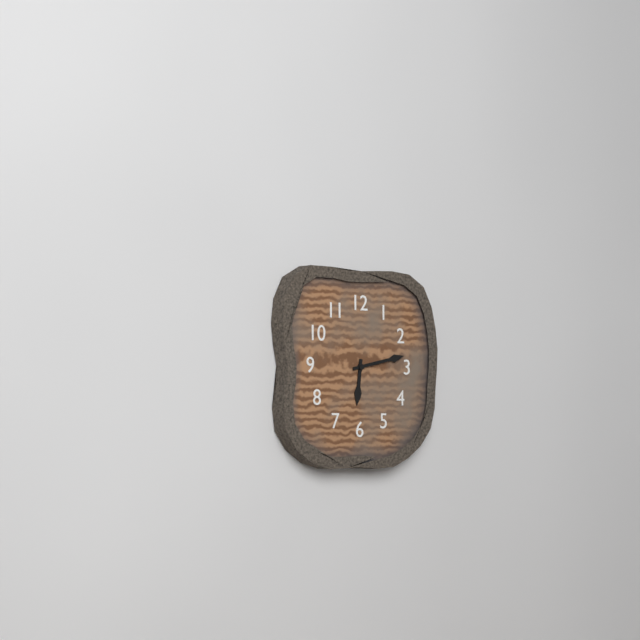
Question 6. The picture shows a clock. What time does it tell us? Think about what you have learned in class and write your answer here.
6:13
